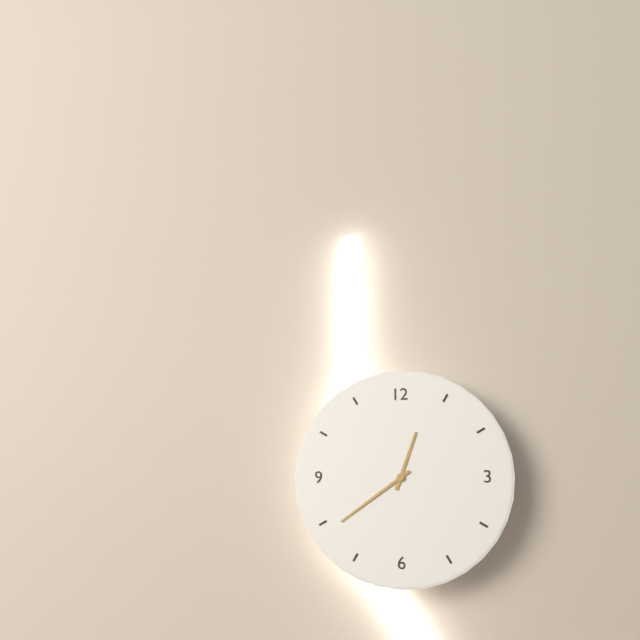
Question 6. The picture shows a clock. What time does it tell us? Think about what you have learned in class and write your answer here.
12:39
